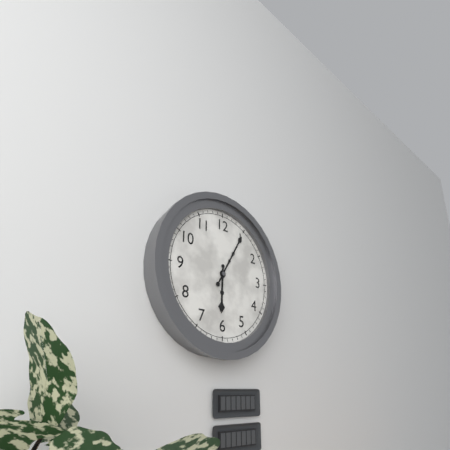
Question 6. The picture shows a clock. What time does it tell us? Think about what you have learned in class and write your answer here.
6:05
